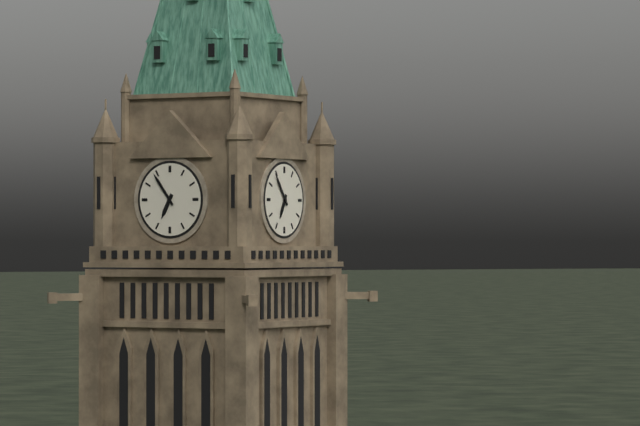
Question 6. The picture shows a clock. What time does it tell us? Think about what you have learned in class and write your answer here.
6:54
